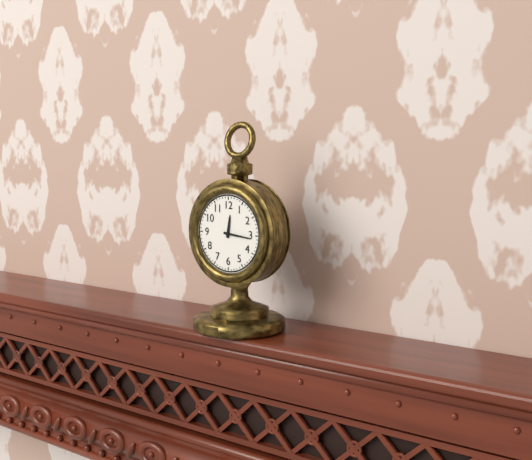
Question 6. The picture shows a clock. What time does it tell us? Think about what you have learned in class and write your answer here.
12:16
